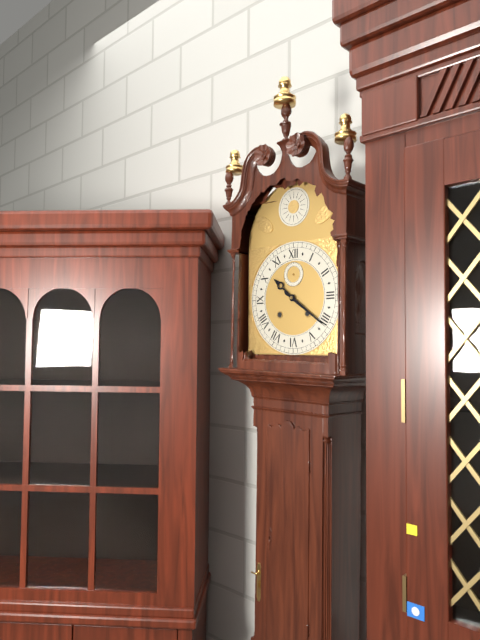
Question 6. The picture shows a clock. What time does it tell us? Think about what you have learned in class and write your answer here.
10:21
